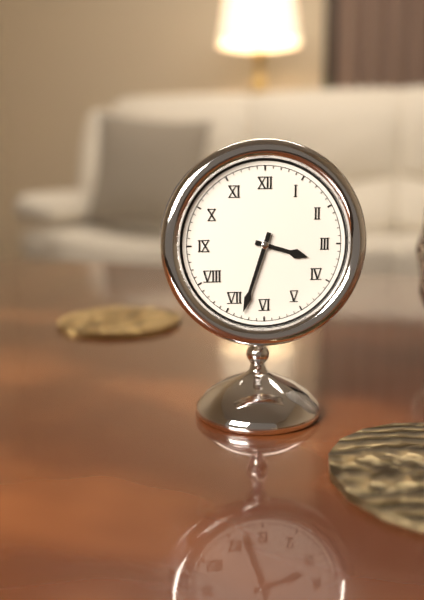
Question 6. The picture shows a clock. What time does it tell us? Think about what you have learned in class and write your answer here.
3:33
